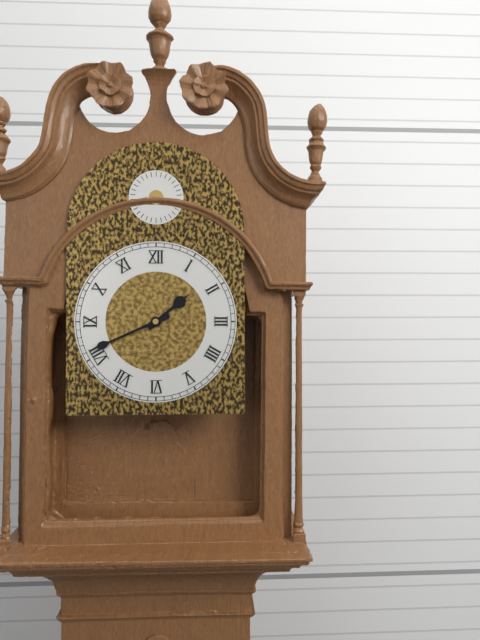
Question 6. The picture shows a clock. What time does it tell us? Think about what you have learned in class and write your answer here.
1:41
